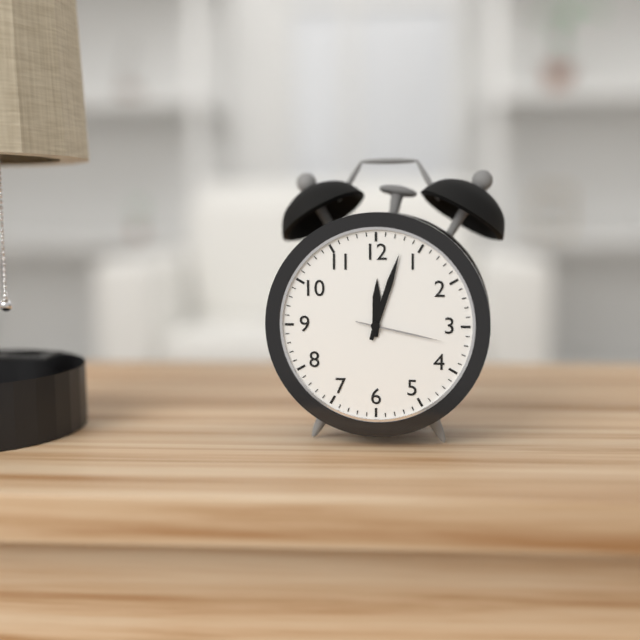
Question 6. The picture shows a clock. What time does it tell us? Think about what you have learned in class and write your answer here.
12:03:17
